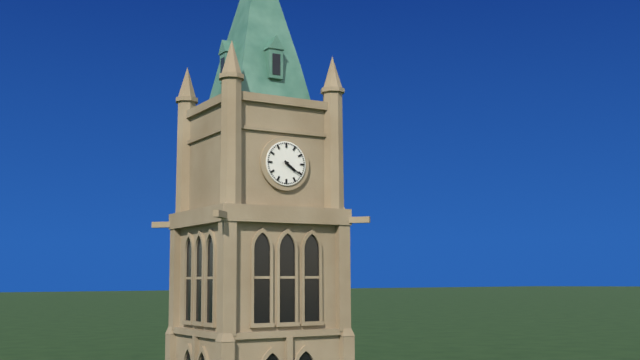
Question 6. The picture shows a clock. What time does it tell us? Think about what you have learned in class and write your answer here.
4:21
